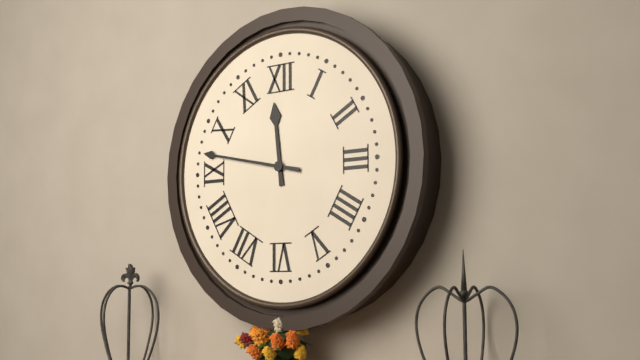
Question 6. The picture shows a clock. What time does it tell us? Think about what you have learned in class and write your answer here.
11:47
